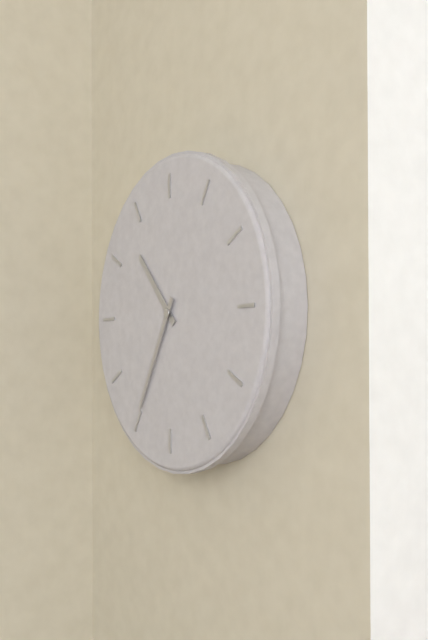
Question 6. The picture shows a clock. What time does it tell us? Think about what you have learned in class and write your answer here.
10:35
